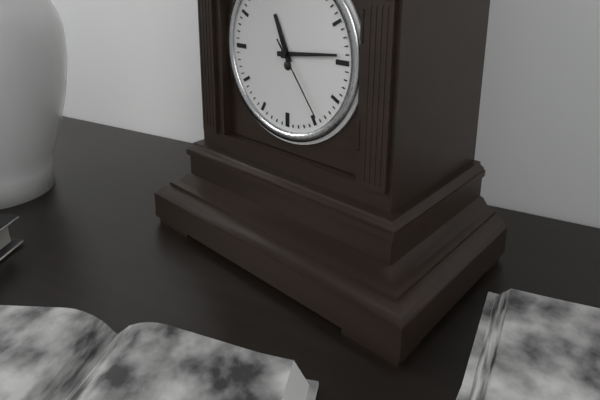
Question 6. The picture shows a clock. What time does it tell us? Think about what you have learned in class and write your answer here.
11:14:24
